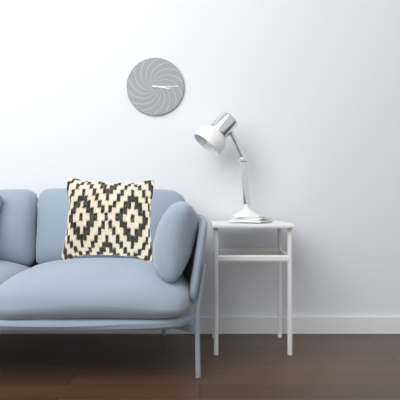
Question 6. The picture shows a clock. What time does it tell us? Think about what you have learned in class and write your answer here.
3:15
